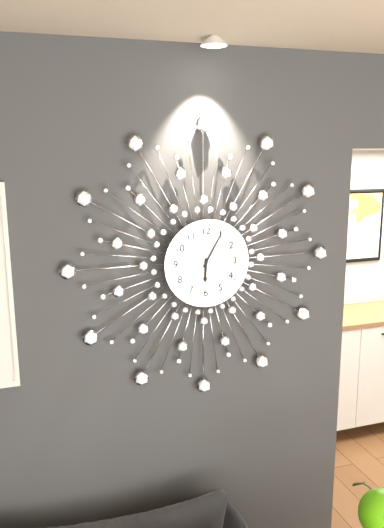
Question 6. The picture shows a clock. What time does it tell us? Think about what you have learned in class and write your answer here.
6:05
